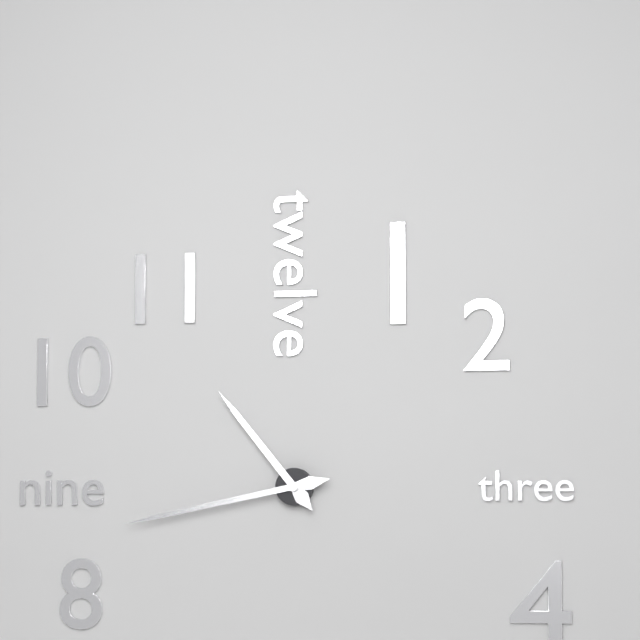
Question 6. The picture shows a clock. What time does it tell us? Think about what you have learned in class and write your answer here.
10:43
